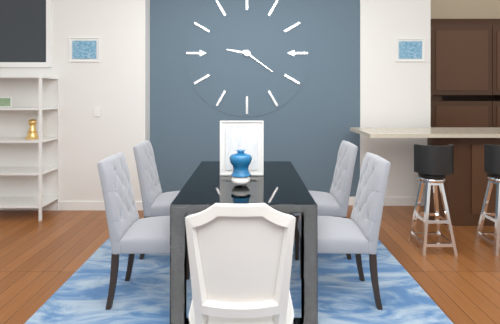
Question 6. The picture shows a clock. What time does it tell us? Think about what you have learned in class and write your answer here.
9:21
